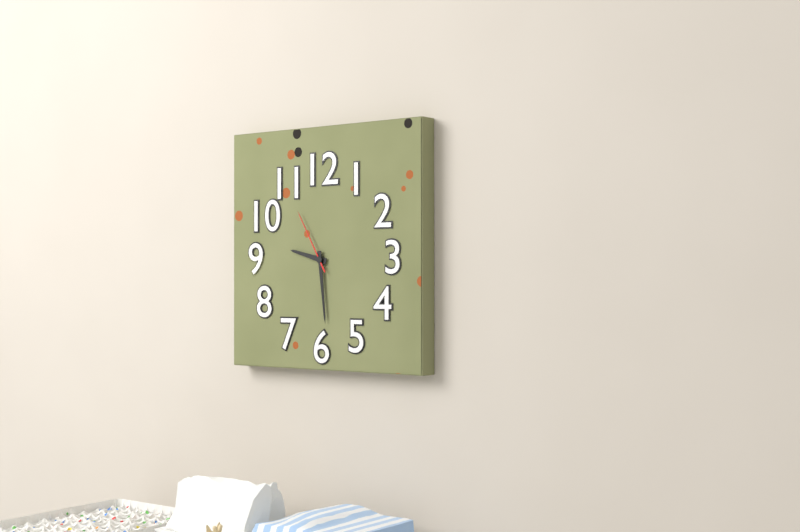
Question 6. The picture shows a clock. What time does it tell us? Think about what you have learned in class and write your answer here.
9:29:55
